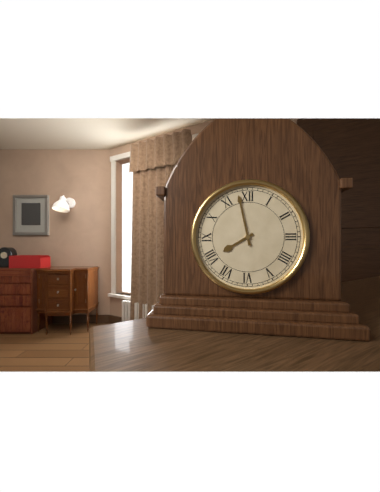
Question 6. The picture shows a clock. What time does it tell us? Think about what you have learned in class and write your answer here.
7:58
